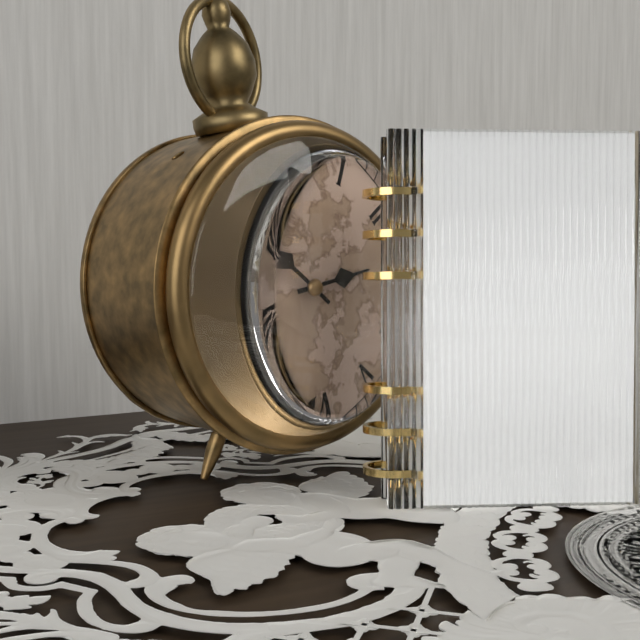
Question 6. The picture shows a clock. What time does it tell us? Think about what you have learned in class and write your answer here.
2:53
